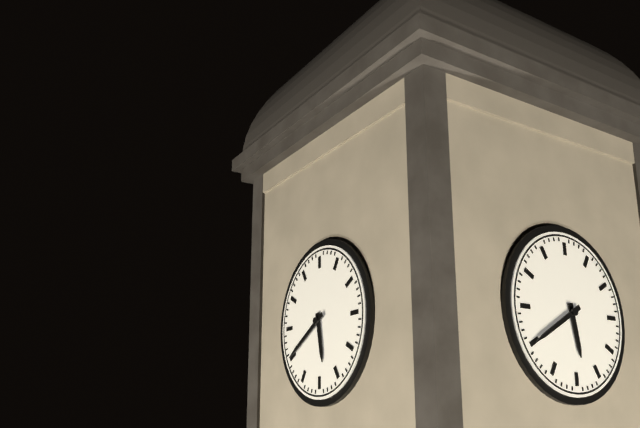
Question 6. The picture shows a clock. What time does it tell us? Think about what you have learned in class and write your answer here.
5:40
